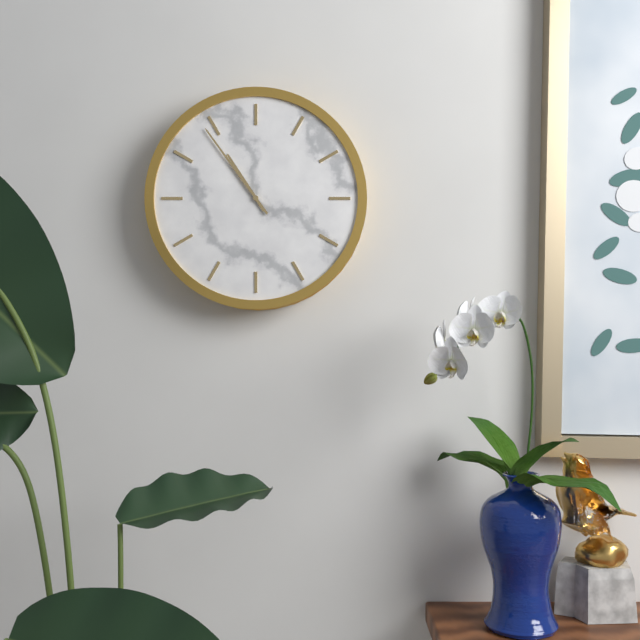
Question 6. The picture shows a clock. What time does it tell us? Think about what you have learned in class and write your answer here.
10:54
